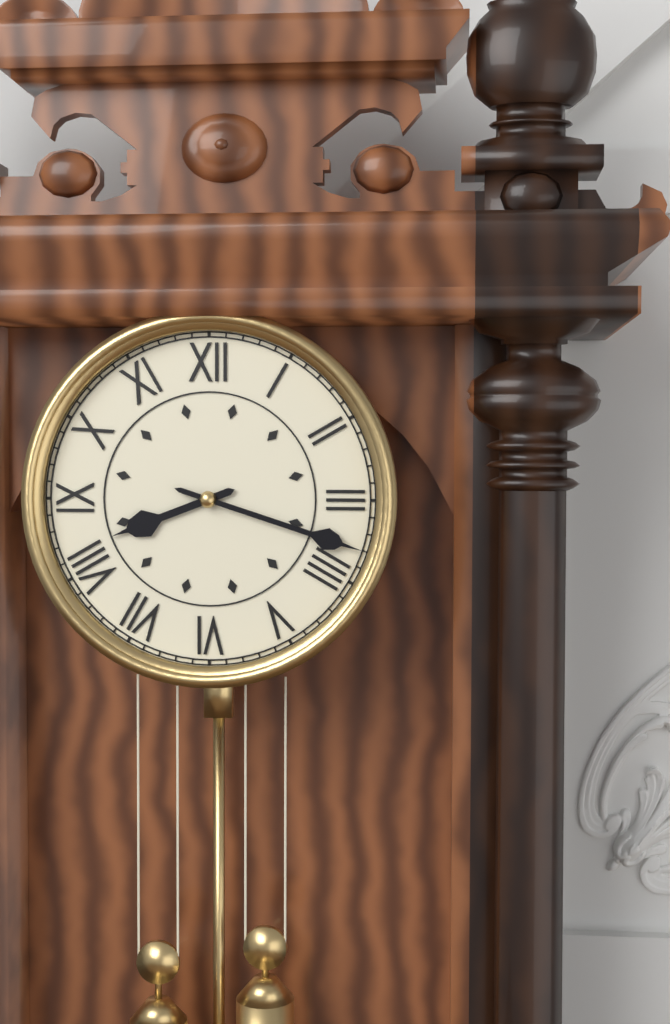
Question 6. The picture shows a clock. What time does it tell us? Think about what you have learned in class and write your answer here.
8:18
